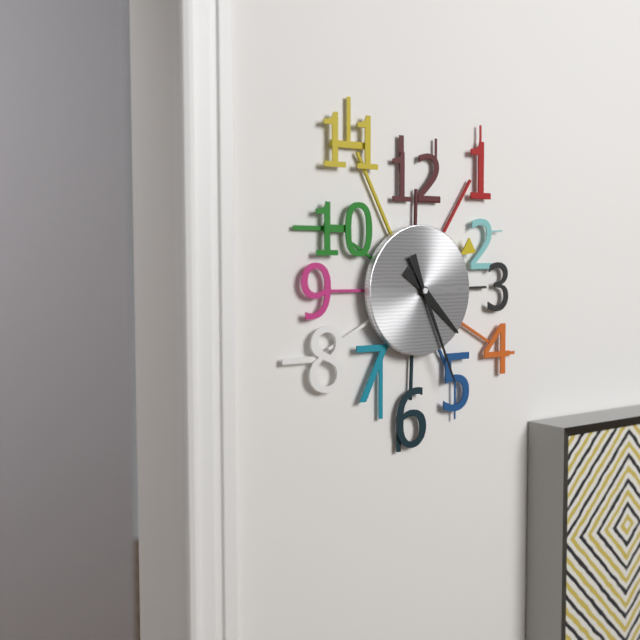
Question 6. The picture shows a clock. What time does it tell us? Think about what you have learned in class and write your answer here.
4:26
